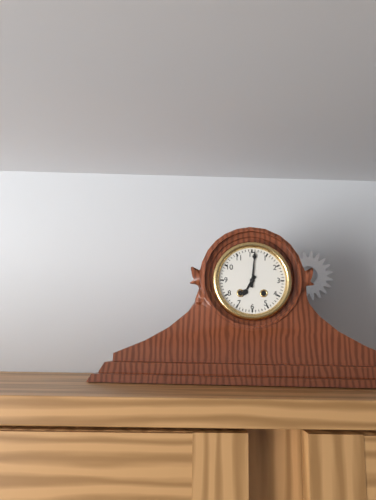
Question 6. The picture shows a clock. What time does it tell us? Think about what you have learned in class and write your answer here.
7:01
